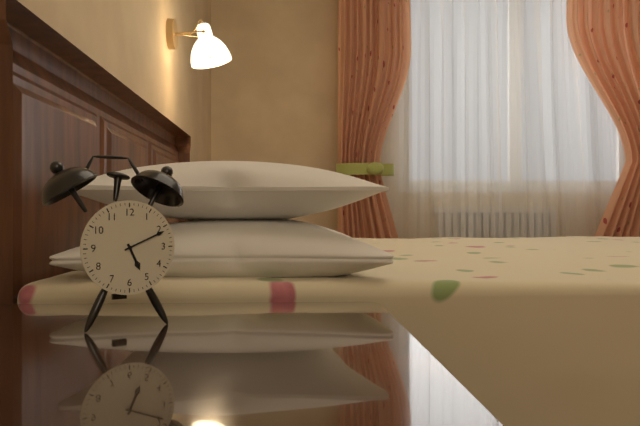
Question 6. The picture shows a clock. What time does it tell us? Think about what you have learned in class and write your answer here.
5:11
